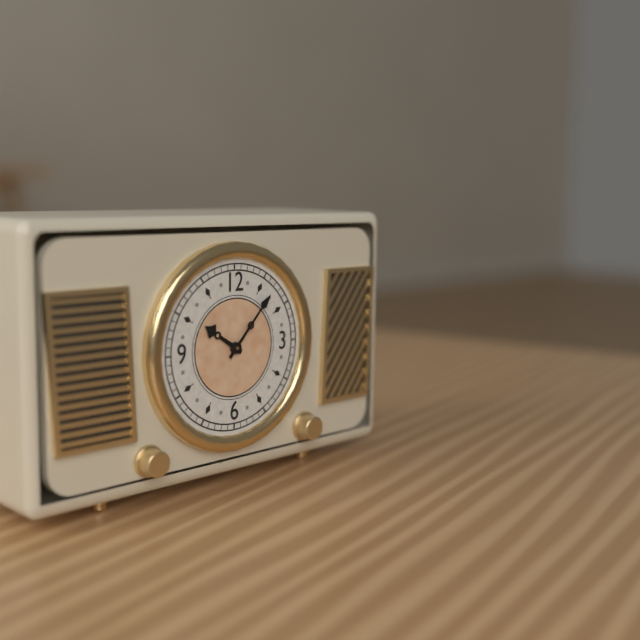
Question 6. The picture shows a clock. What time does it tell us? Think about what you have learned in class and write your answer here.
10:07
